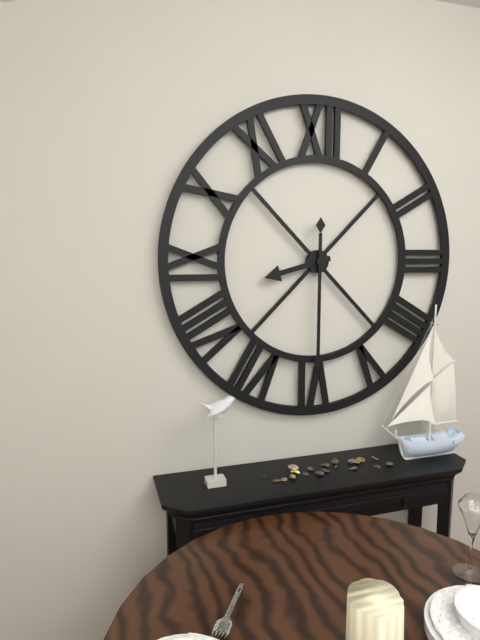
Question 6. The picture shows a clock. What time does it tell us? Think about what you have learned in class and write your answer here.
8:30
